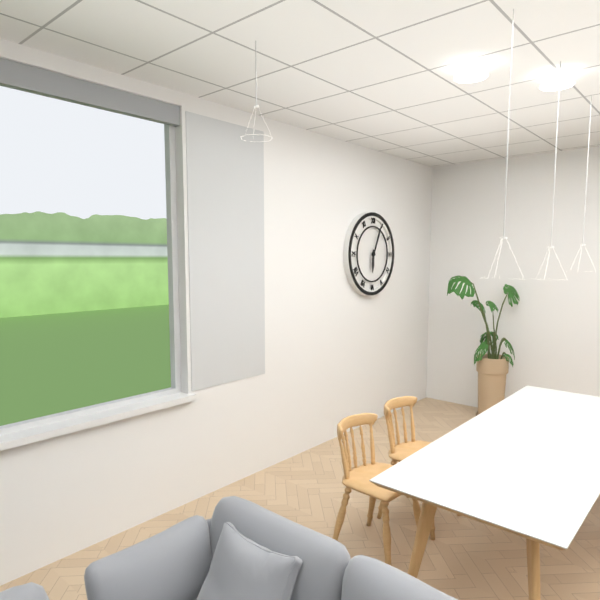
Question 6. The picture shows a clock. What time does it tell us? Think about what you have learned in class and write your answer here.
6:04
